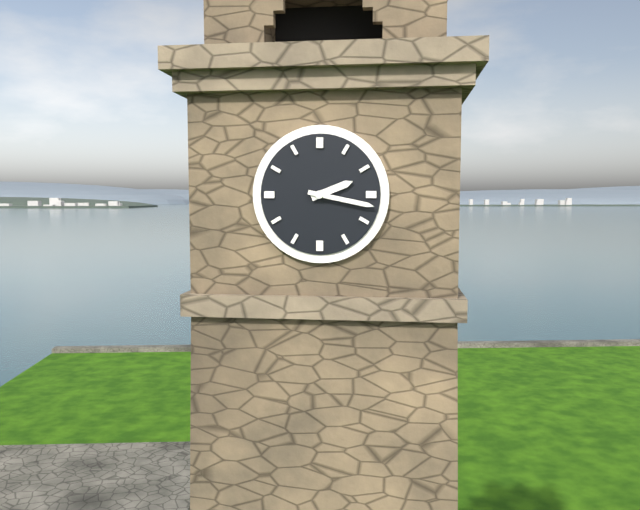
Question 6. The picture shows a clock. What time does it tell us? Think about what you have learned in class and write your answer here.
2:17
